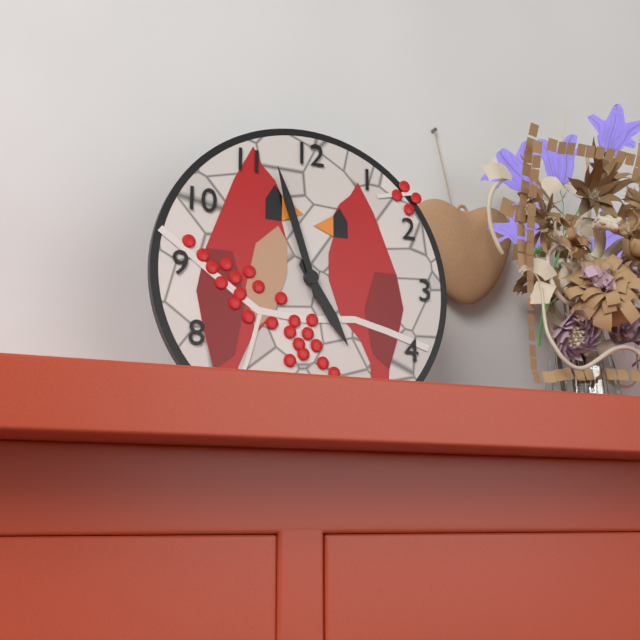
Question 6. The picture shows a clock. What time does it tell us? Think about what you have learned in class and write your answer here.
4:57
